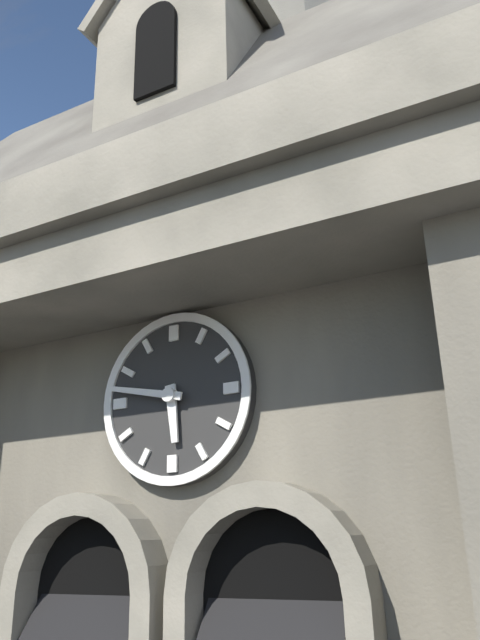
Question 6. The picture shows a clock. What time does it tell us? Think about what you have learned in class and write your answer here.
5:47
